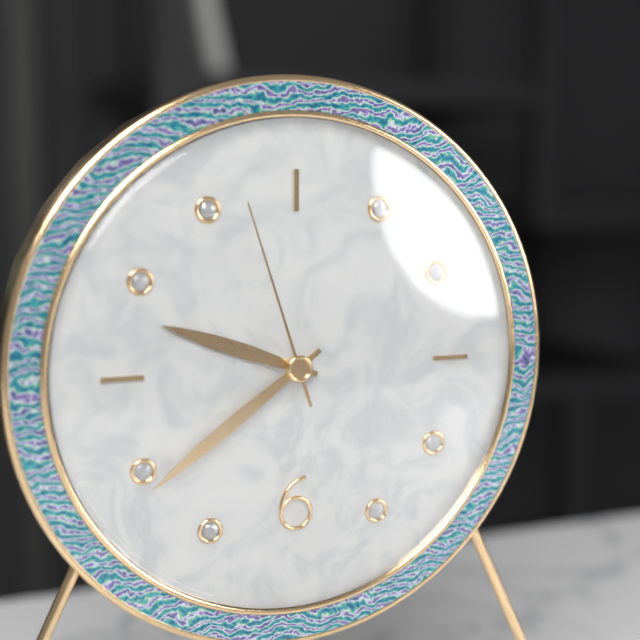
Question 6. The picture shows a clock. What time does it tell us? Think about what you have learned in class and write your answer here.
9:39:57
